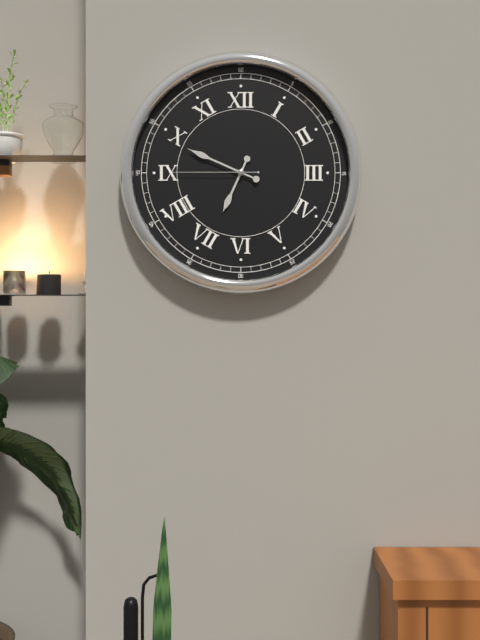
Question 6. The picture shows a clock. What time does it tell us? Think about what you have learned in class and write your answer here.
6:49:45
